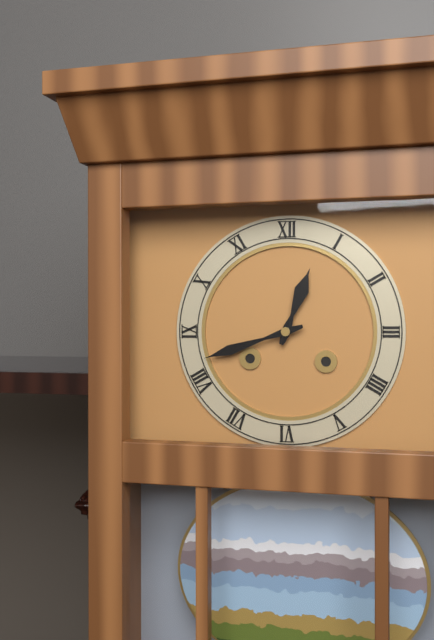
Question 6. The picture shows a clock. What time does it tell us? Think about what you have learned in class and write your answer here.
12:42
